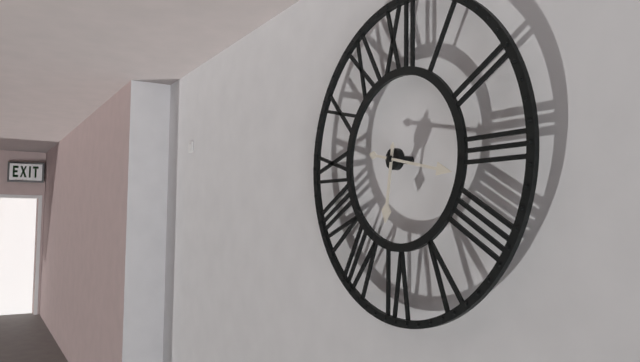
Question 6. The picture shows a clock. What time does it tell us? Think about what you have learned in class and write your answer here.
6:17
